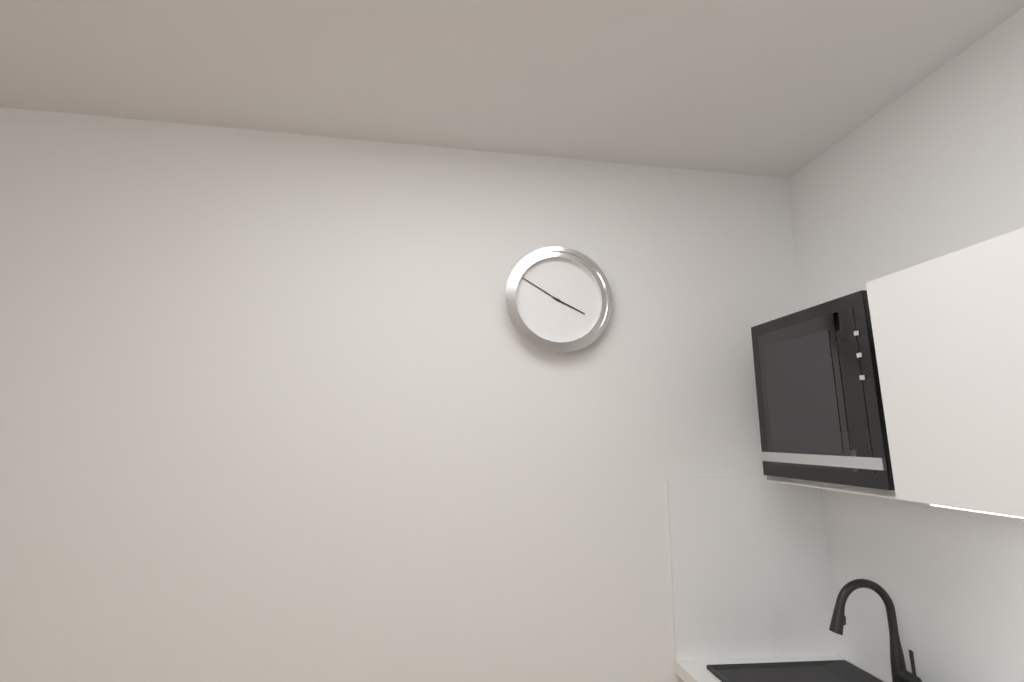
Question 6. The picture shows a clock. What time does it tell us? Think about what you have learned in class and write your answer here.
3:50
